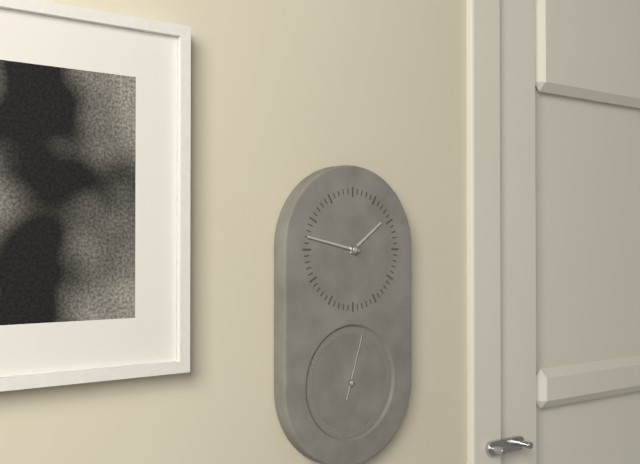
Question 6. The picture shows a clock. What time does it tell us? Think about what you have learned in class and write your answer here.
1:47:03
